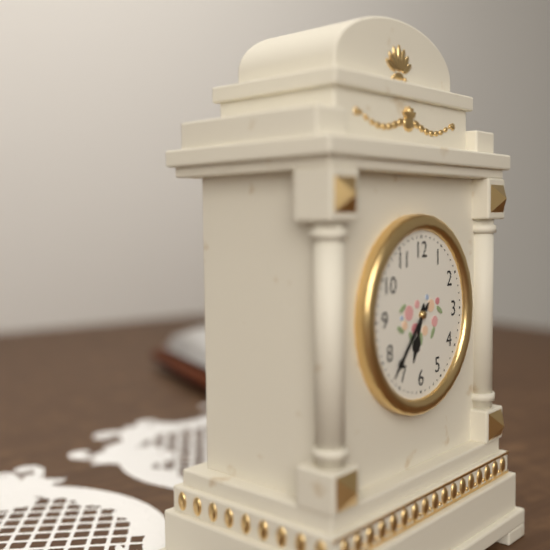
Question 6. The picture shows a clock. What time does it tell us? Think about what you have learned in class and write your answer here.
6:37
